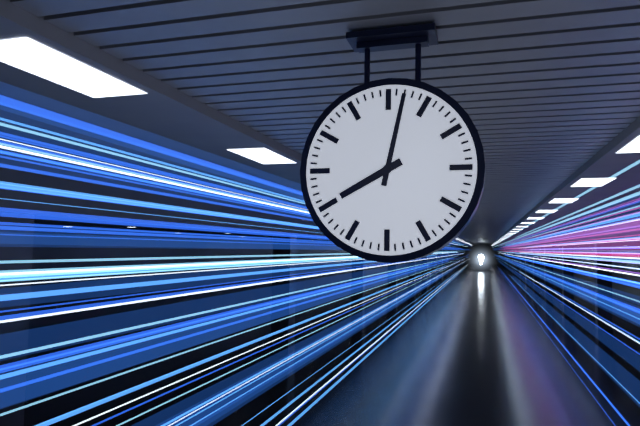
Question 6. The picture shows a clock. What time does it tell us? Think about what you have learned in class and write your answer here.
8:02
